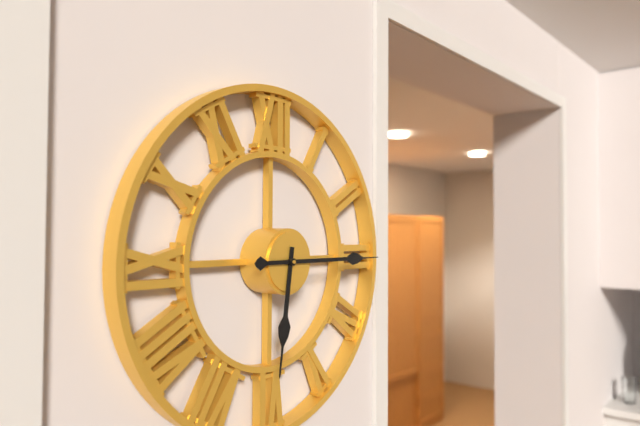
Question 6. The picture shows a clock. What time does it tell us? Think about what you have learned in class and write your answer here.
6:15
